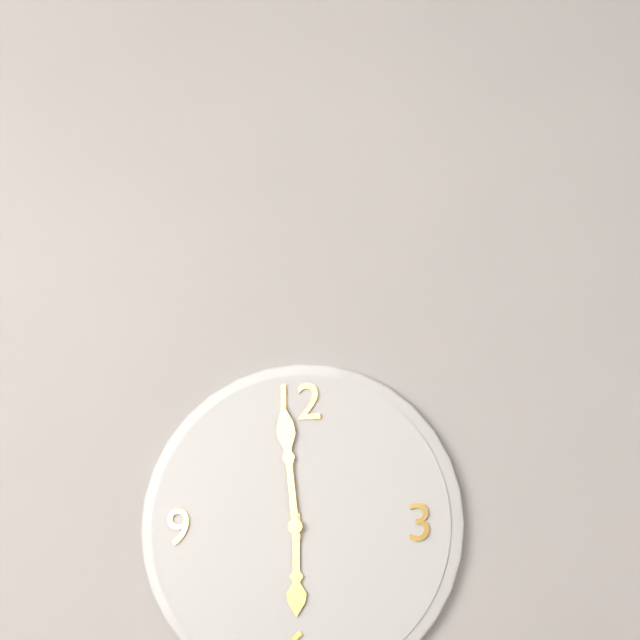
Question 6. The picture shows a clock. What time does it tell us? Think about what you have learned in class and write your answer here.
5:59
